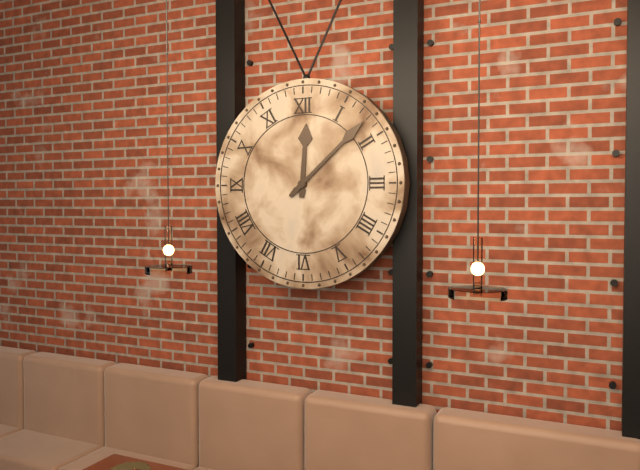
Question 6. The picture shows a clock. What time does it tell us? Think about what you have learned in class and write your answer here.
12:08
